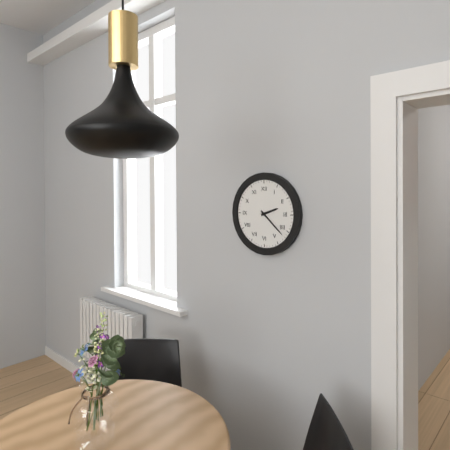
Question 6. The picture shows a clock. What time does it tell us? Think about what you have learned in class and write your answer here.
2:22
